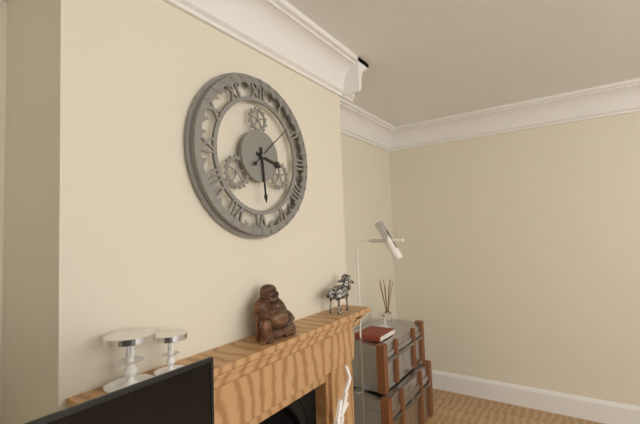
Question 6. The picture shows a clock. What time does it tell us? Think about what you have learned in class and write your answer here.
3:29
